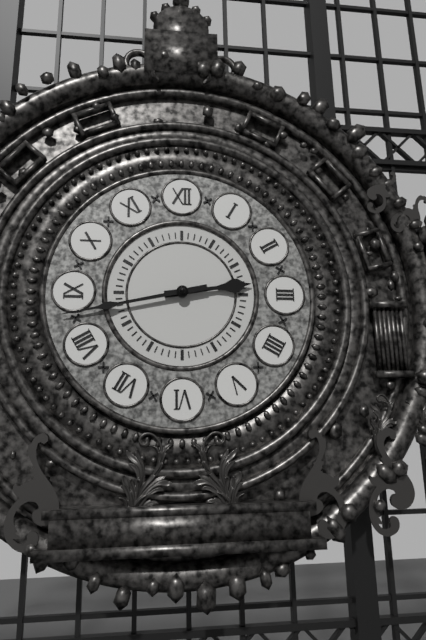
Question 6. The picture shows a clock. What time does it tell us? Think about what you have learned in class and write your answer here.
2:43
